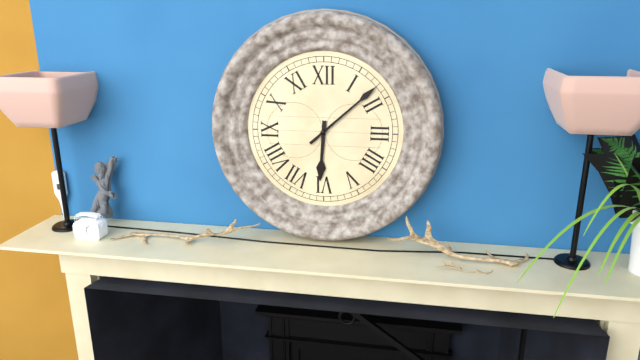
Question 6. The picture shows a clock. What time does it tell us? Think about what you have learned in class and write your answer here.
6:08
